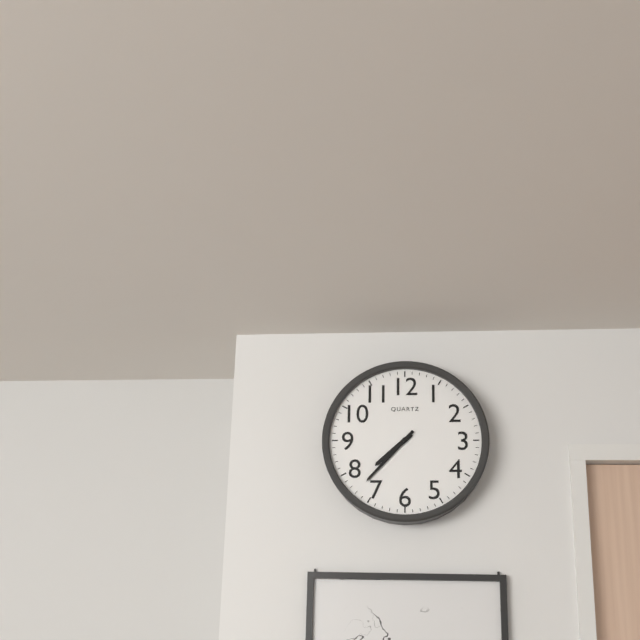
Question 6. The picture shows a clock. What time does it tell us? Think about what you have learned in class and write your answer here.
7:37
